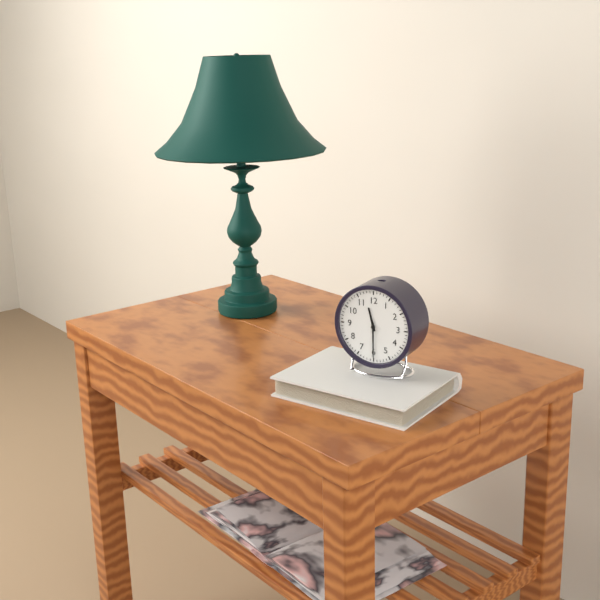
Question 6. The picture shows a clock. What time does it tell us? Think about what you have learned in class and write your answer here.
11:30
